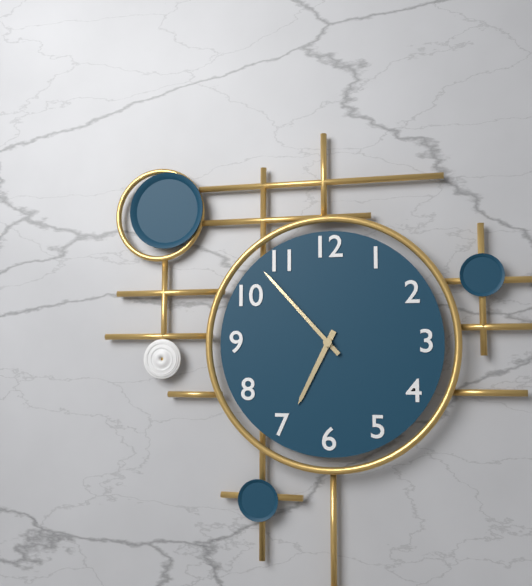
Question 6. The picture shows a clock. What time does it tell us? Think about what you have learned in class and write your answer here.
6:53
